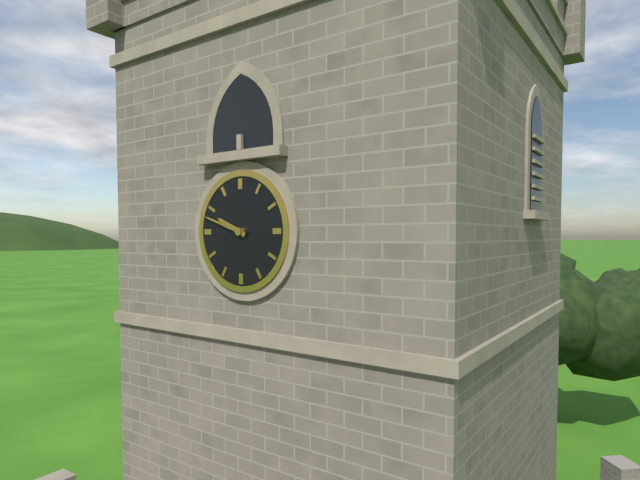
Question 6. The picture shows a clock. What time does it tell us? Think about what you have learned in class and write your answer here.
9:48
